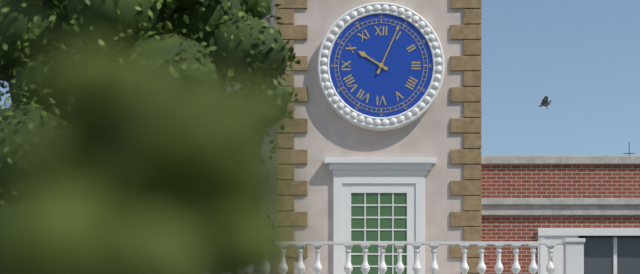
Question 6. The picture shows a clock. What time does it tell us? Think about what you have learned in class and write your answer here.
10:04
